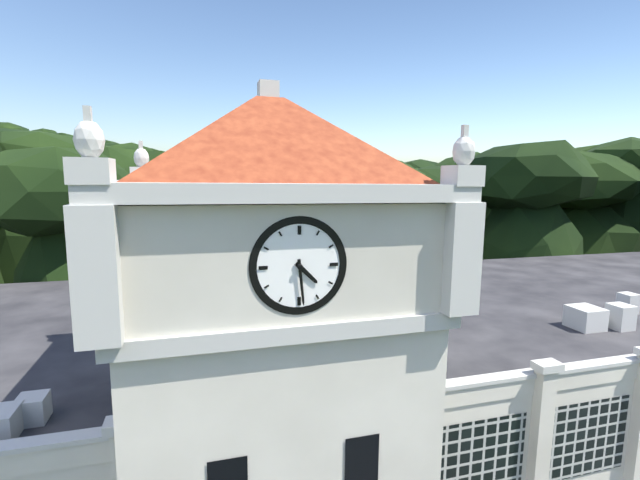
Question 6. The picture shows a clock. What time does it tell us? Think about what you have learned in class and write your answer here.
4:29
